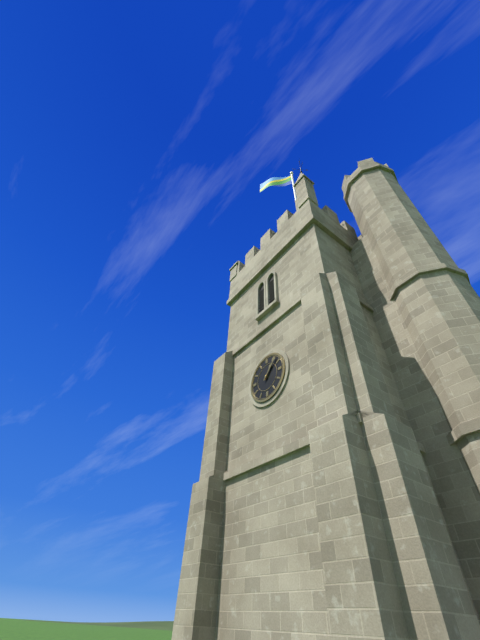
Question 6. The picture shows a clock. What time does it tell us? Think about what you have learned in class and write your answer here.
1:07
